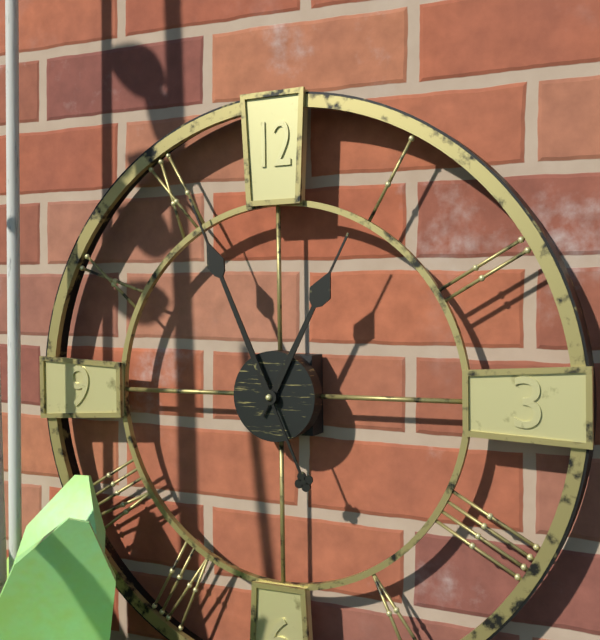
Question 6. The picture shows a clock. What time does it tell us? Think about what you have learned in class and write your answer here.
12:56
